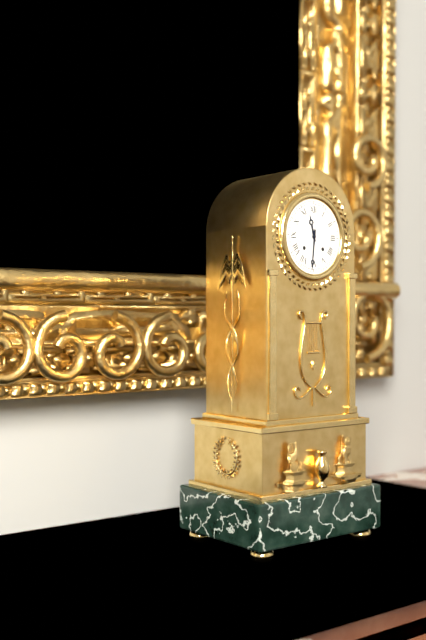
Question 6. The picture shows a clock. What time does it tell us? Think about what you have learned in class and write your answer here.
11:31
